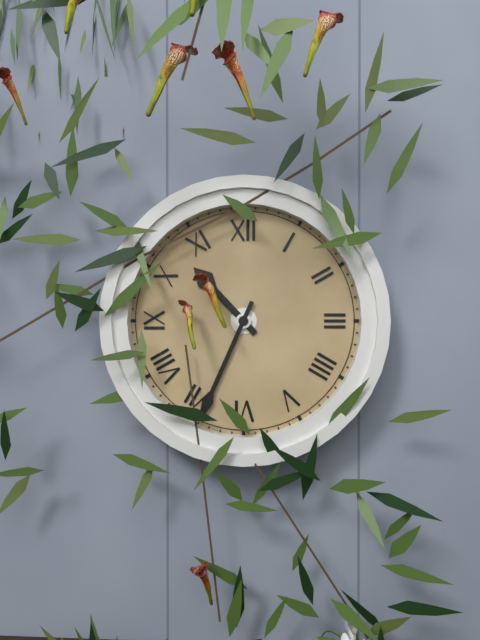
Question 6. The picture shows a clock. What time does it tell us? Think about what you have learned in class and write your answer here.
10:34
